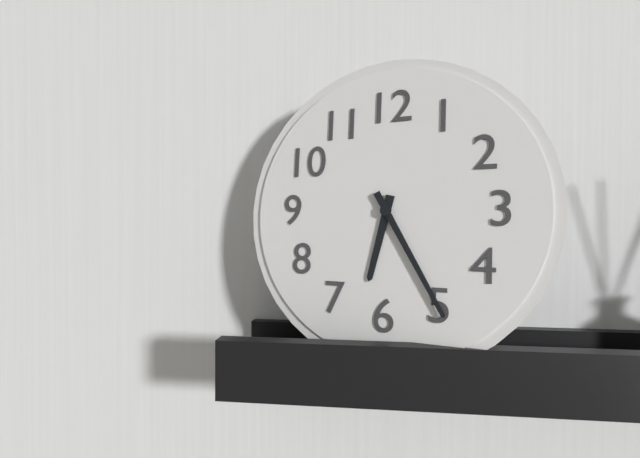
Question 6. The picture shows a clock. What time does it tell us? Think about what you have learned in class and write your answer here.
6:25
